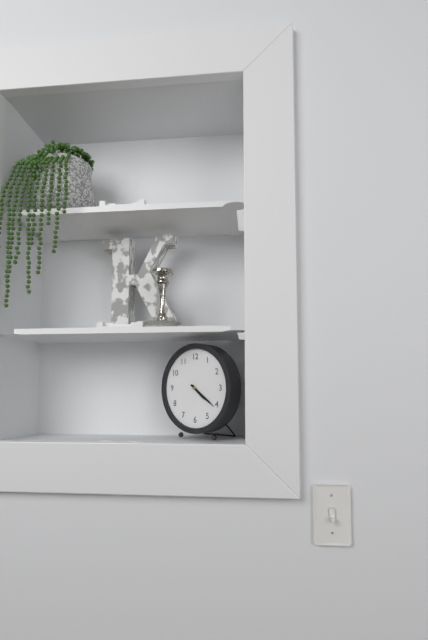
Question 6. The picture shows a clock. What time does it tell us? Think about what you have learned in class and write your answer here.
4:21
